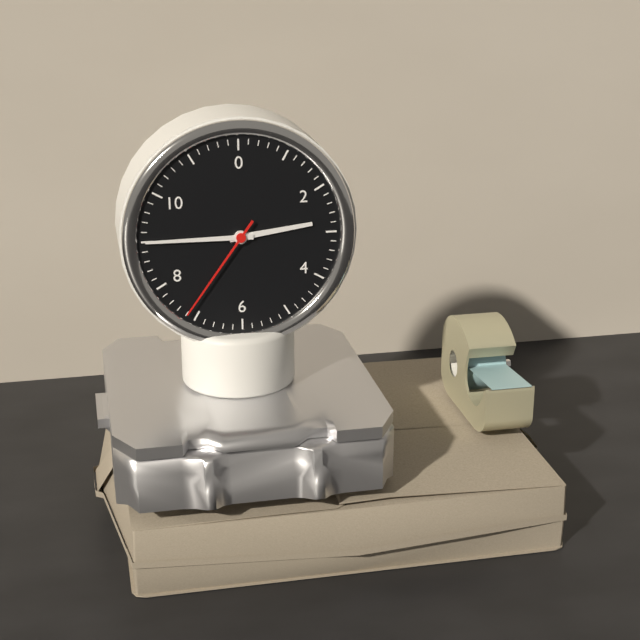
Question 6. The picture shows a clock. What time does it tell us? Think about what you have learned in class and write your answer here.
2:45:36
